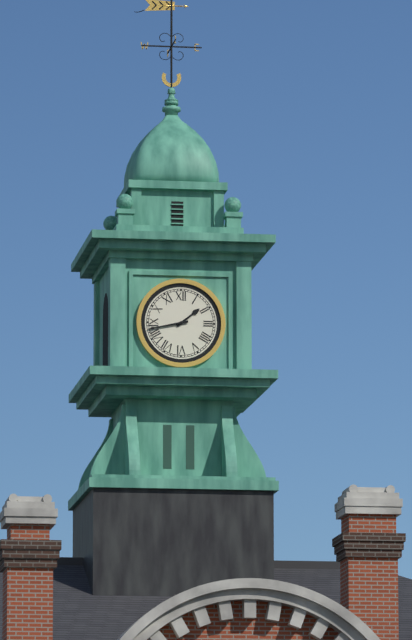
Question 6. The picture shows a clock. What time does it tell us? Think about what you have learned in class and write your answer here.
1:43
